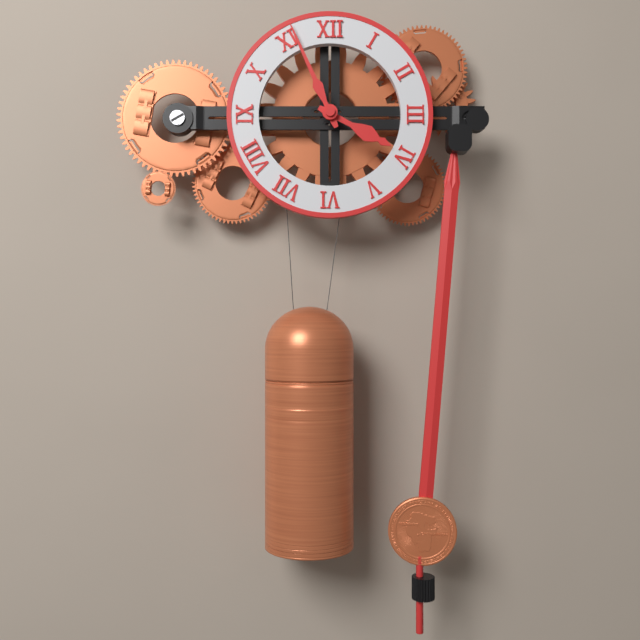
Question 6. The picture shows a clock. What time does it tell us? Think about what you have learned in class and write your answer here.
3:56
